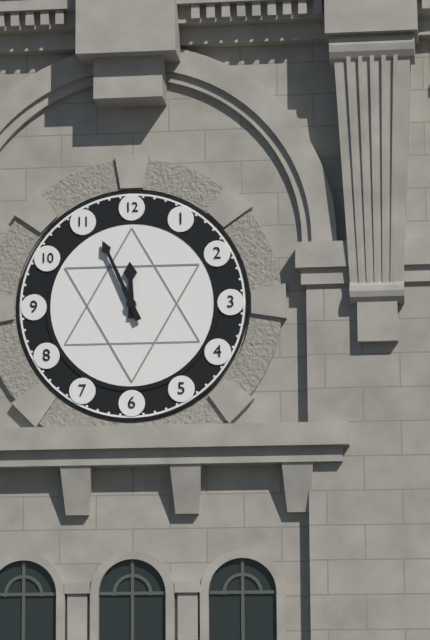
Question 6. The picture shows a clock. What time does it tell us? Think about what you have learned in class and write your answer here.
11:56
